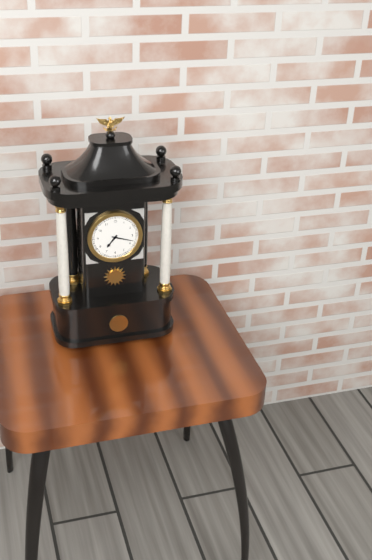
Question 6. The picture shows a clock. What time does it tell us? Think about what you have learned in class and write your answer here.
7:18
